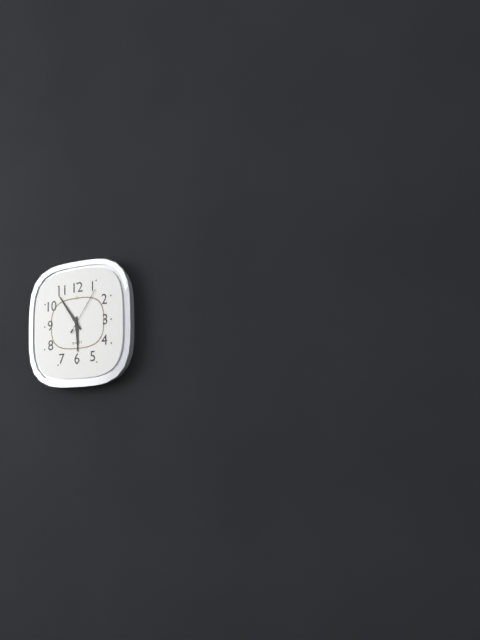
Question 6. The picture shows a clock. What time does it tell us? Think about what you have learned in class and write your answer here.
5:54
